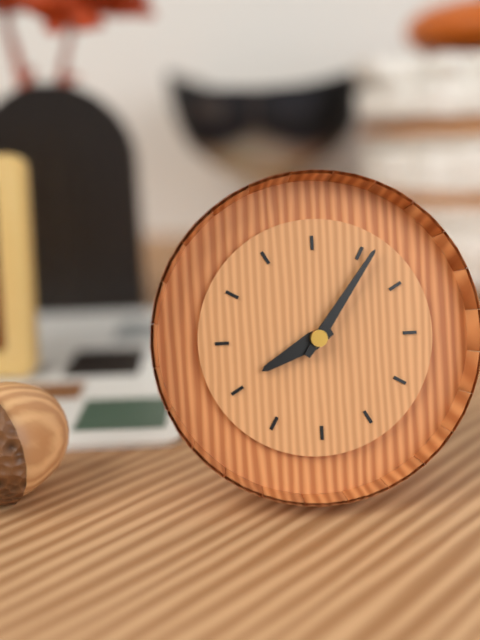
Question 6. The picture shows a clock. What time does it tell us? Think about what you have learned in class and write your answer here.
8:06
